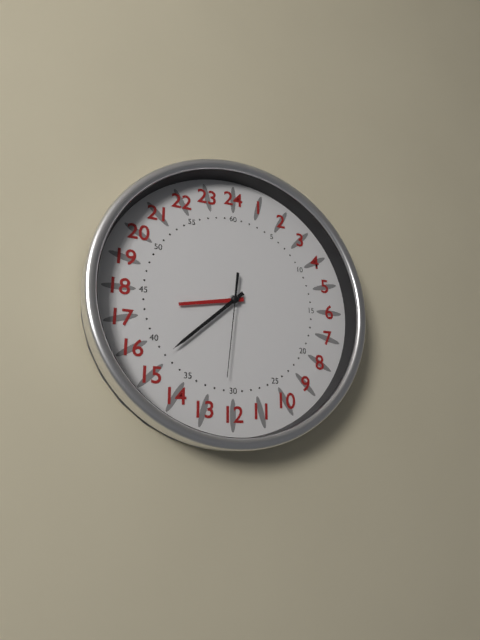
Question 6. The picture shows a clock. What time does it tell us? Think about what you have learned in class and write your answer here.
8:38:31
